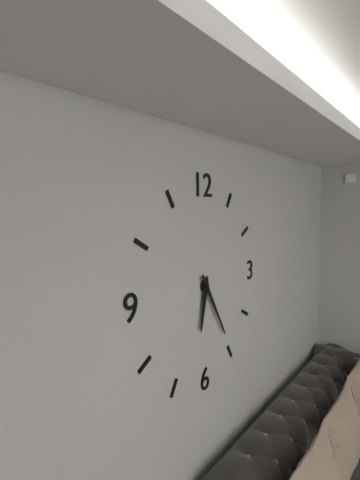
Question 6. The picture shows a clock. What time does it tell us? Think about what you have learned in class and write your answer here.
6:25
